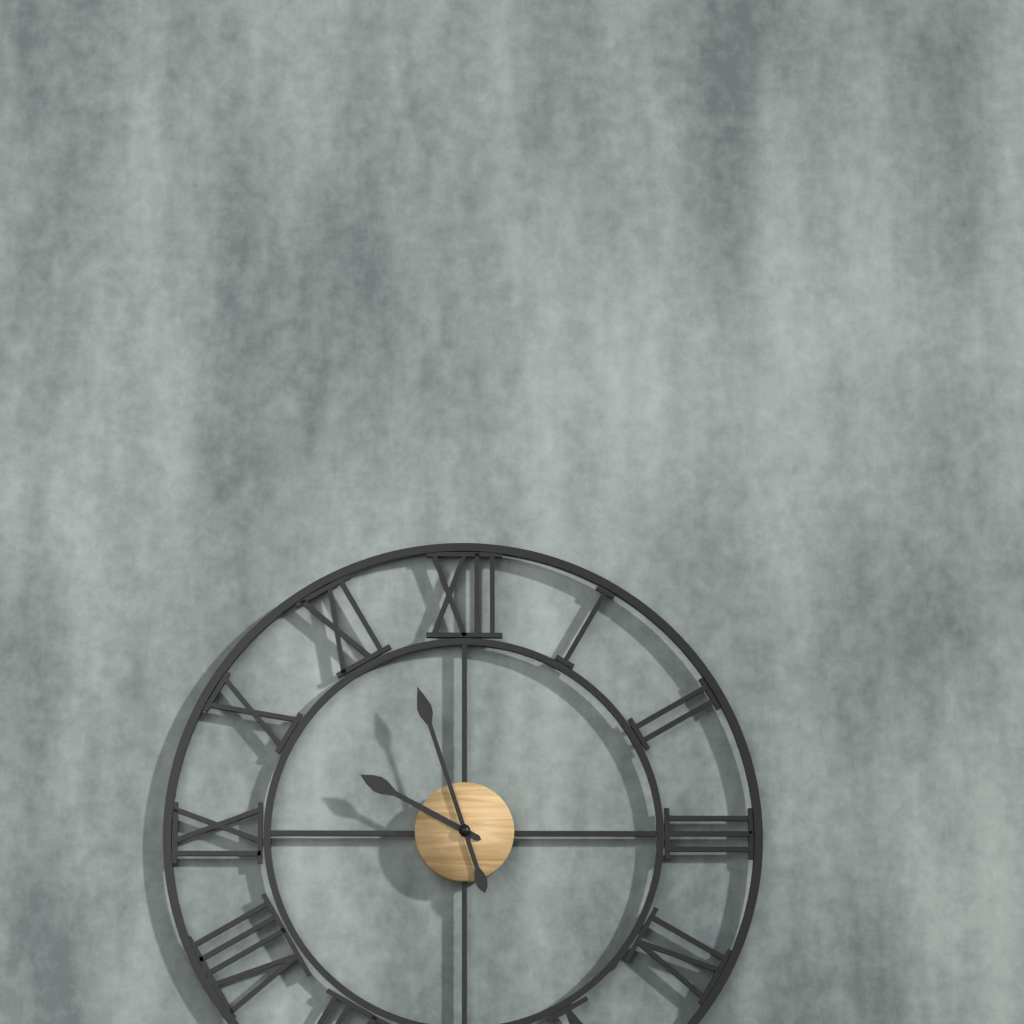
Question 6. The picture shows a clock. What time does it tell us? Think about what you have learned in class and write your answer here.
9:57
